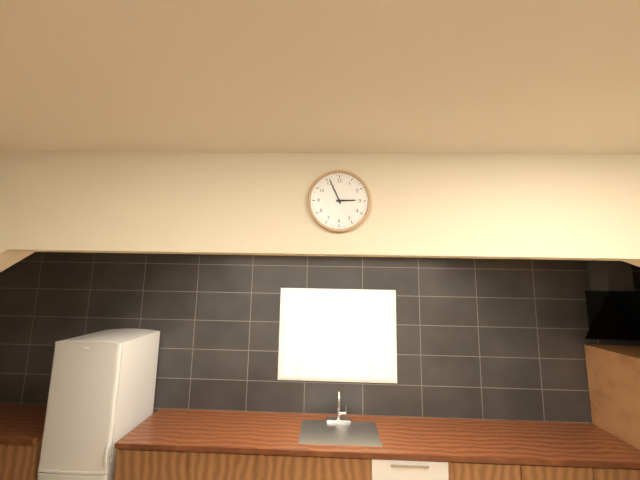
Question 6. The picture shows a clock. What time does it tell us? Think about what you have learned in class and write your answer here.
2:56
